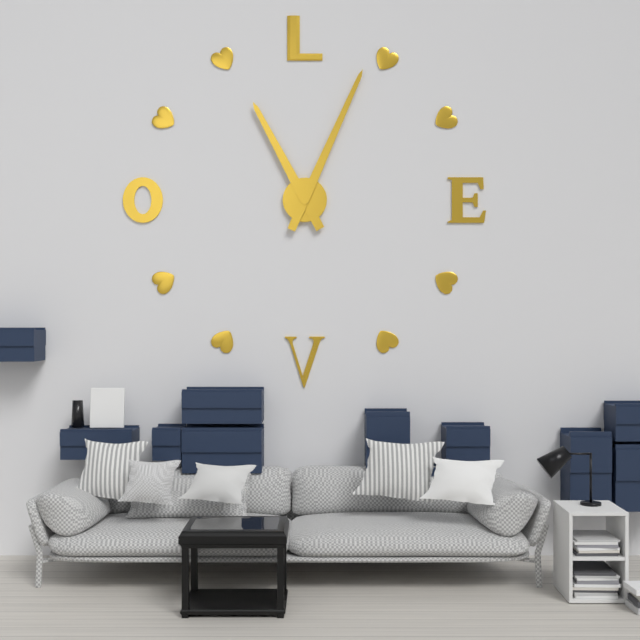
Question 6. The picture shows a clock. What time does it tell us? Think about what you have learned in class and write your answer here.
11:04
